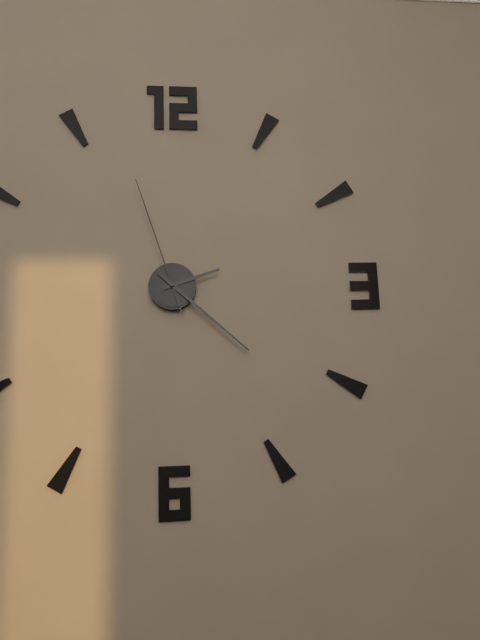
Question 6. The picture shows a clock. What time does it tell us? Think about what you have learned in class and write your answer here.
2:22:57
